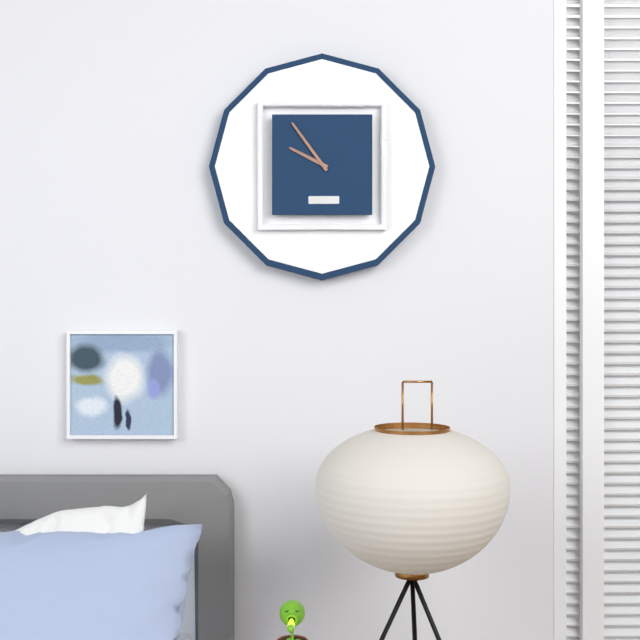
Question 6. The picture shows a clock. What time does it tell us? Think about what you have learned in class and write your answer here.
9:54
